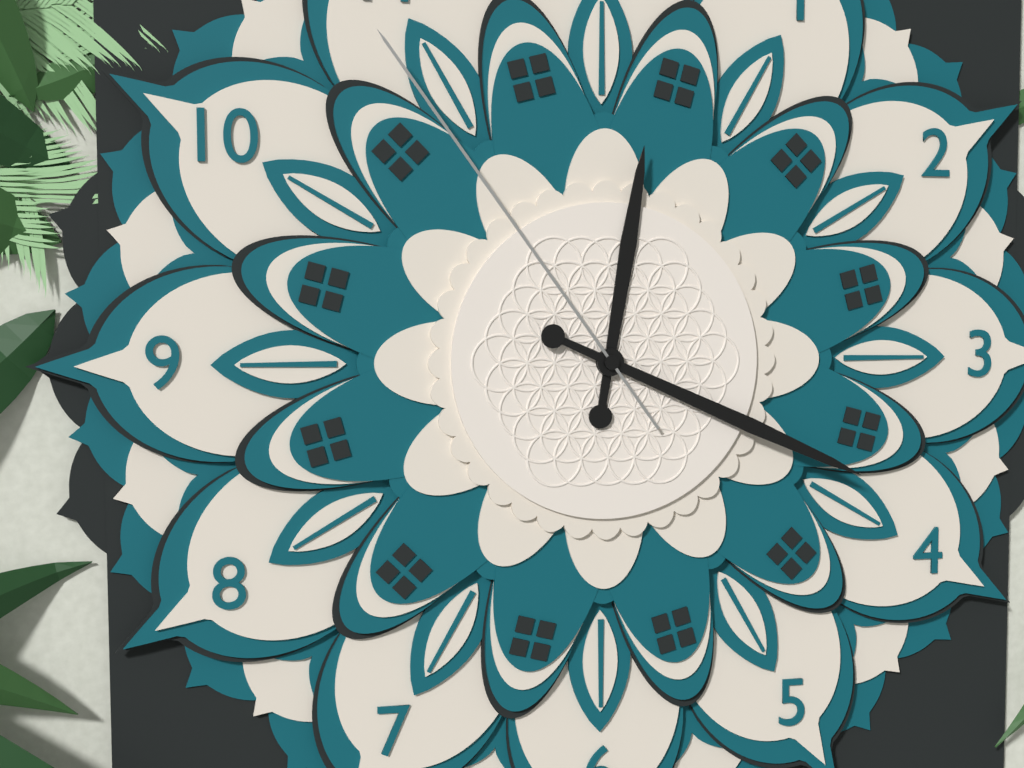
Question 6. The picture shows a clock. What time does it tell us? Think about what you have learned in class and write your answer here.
12:19:54
